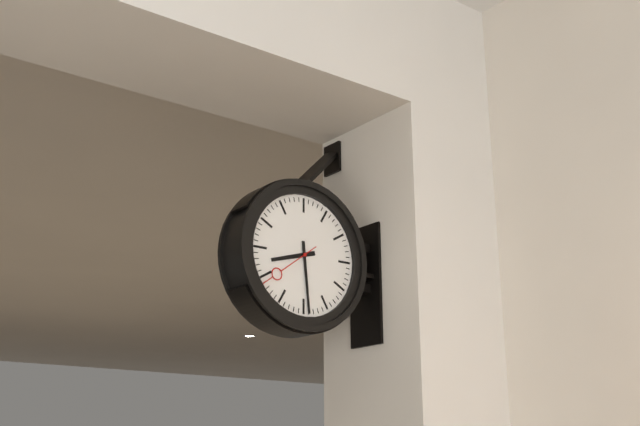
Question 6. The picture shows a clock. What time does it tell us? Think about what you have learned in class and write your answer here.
8:29:39
